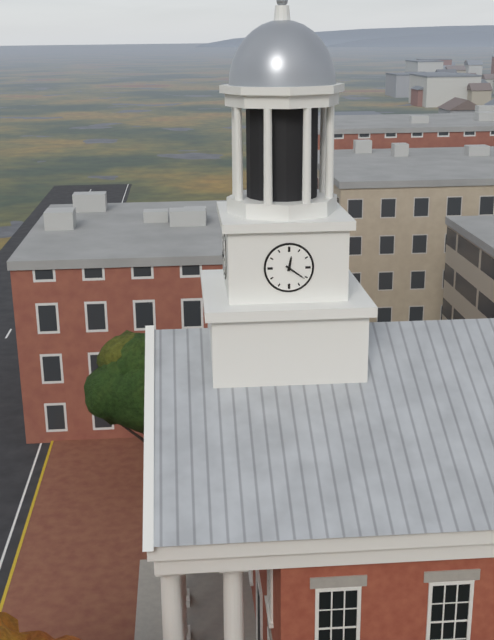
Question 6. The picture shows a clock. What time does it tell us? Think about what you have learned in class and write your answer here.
12:21
